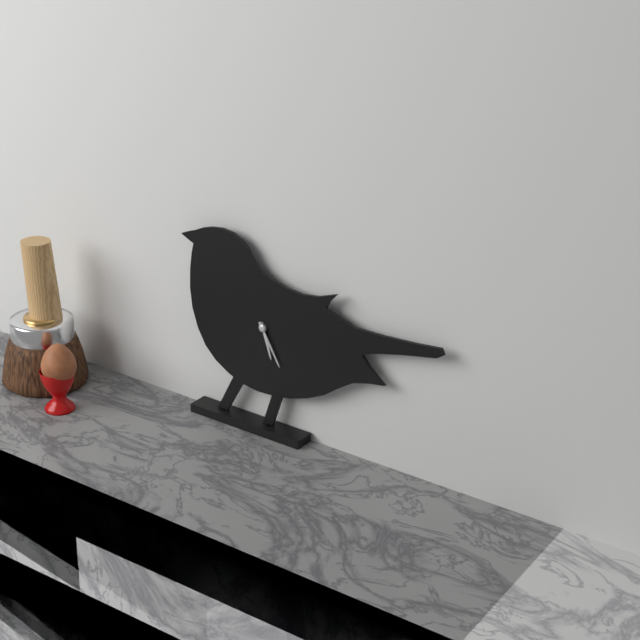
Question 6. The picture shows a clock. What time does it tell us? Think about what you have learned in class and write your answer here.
5:25
